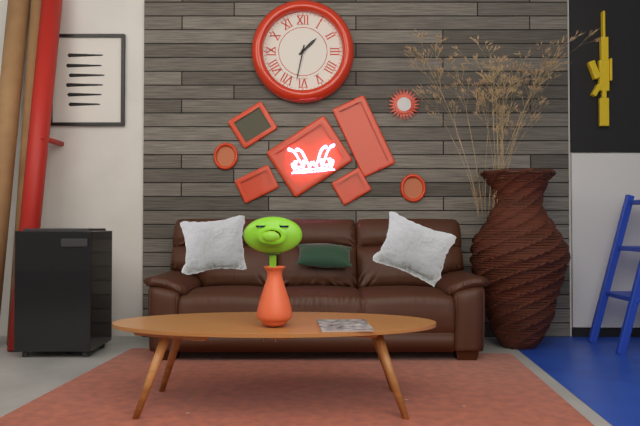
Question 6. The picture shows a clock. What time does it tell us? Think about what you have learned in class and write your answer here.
1:32
